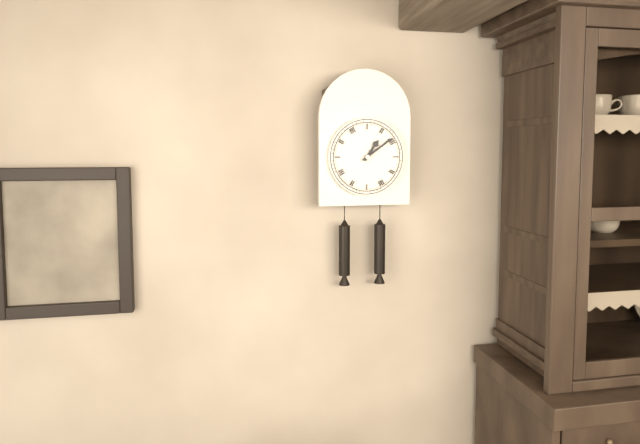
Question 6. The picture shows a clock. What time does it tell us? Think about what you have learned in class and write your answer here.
1:09
